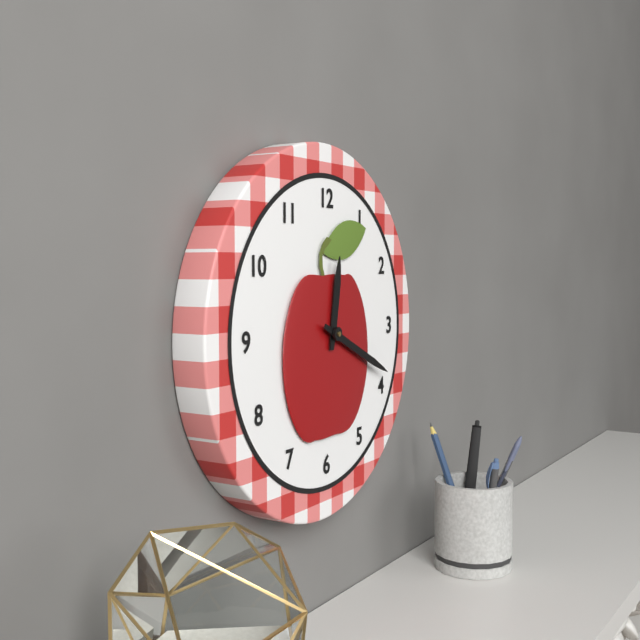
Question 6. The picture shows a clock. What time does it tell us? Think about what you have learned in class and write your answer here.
12:19
